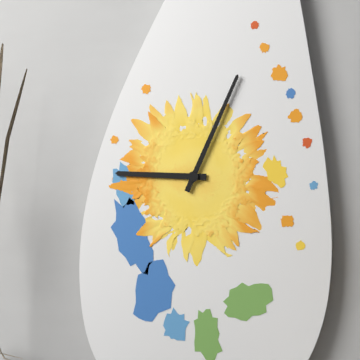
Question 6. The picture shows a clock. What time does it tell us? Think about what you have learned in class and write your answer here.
9:04
